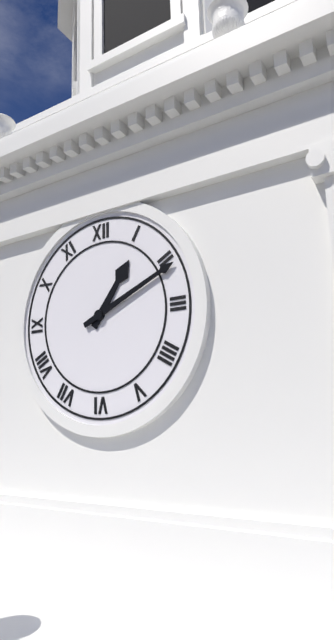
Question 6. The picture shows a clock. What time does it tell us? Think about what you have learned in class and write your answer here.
1:11
